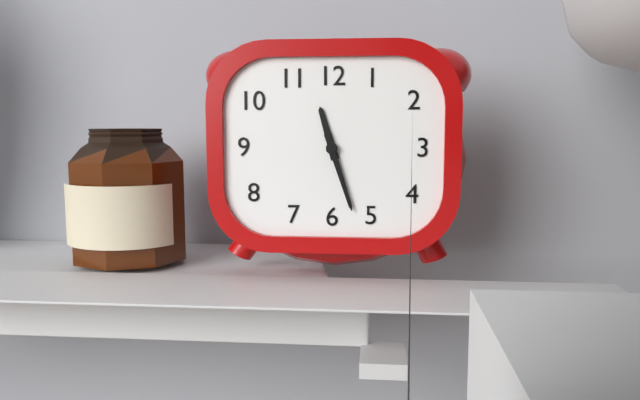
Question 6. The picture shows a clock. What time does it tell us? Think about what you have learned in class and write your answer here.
11:27
